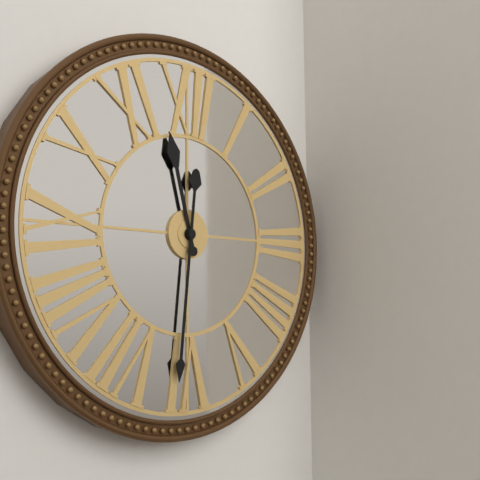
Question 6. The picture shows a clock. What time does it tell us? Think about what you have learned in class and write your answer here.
11:31
